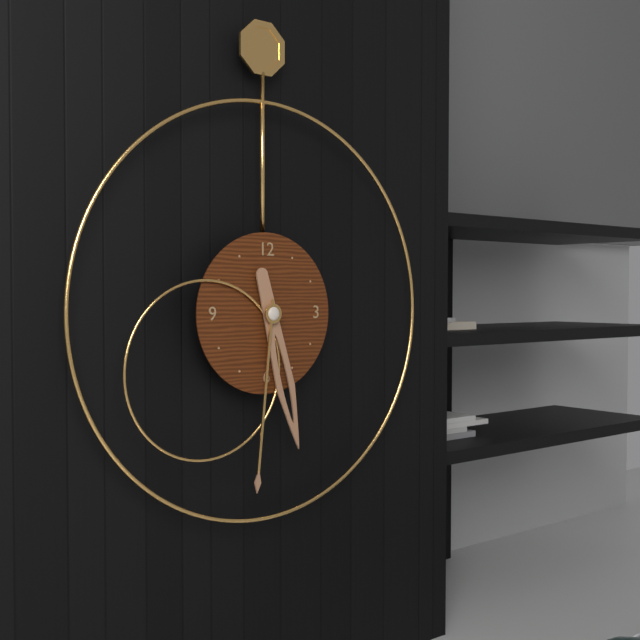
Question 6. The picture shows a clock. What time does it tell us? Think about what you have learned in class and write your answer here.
5:31
